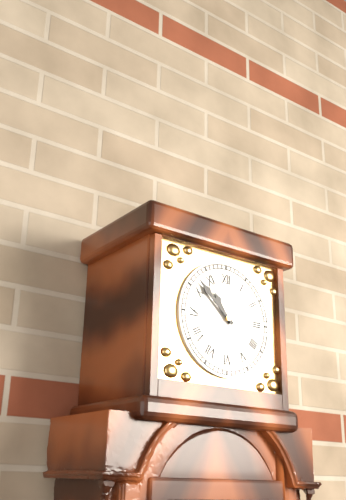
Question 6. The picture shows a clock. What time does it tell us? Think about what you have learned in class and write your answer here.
10:52
